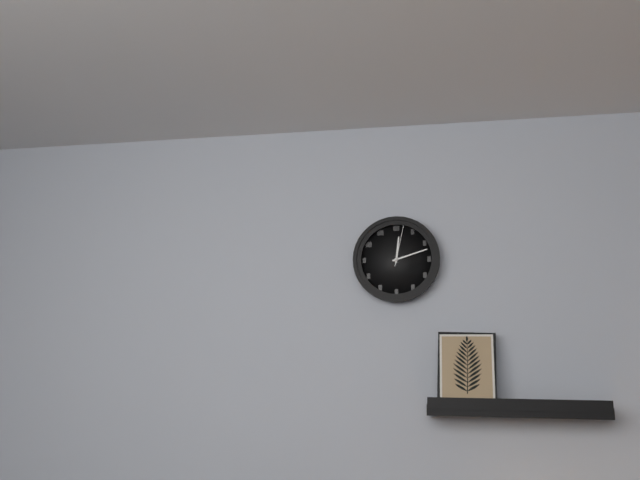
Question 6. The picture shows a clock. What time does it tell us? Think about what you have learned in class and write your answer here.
12:12
